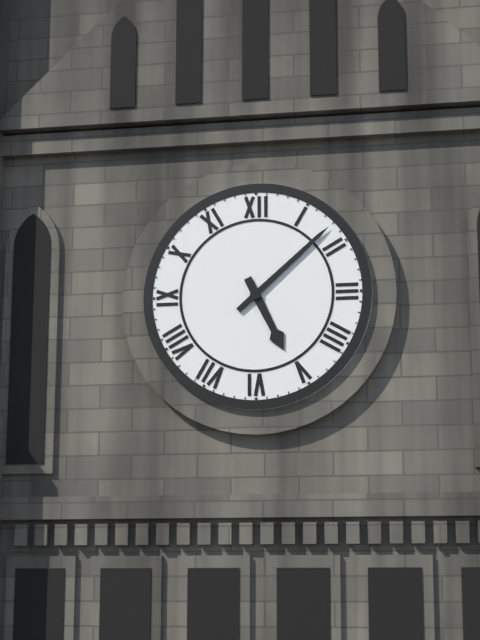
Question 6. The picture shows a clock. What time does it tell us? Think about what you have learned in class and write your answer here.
5:08
